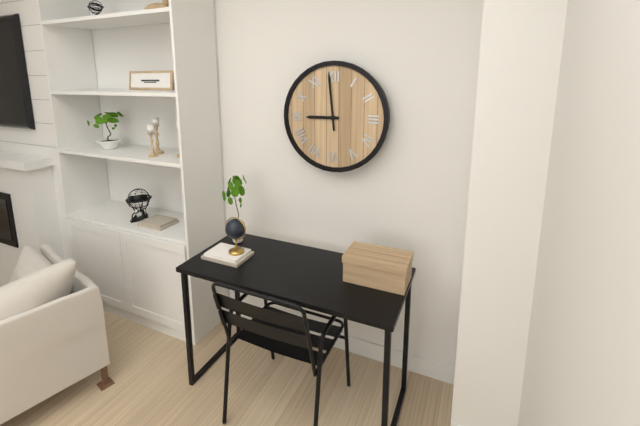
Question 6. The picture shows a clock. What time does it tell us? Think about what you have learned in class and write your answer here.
8:59
